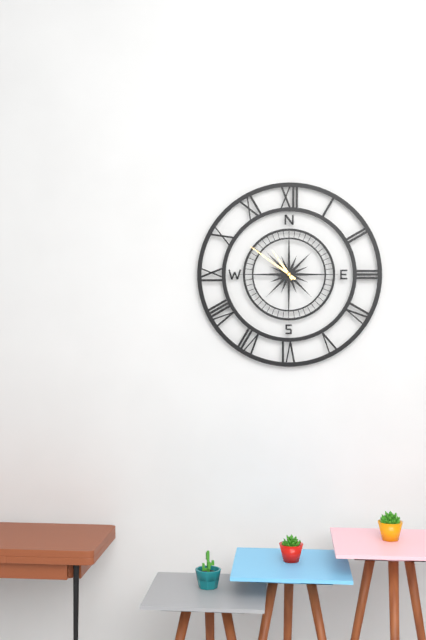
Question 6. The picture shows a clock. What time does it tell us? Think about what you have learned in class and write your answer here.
10:51
